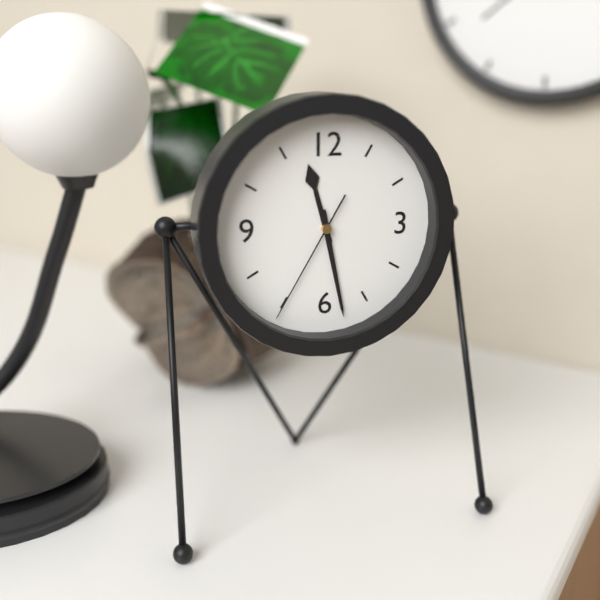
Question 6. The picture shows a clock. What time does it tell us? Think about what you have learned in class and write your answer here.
11:28:35
